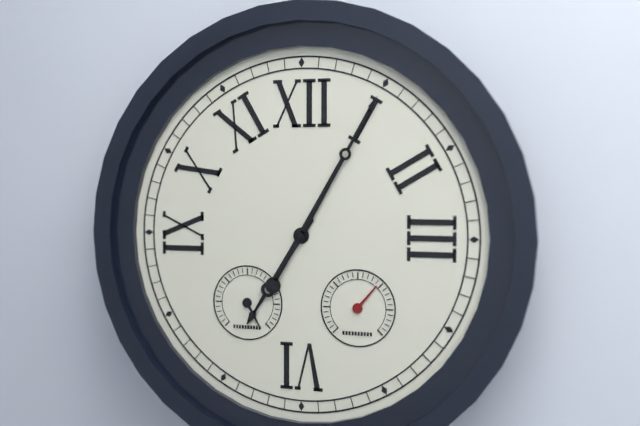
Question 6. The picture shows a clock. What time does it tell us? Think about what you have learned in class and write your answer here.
7:05
